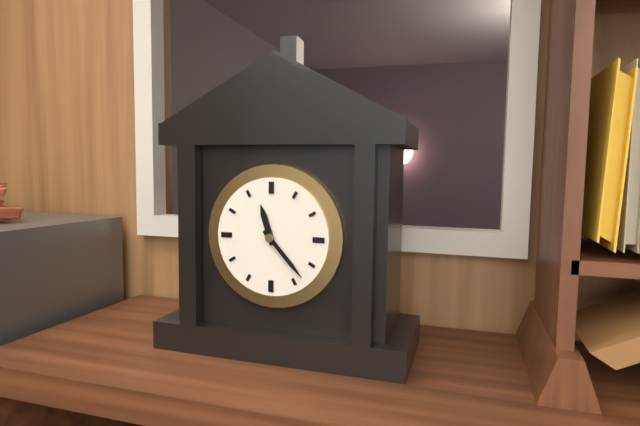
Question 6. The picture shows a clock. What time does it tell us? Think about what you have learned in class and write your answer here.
11:23
